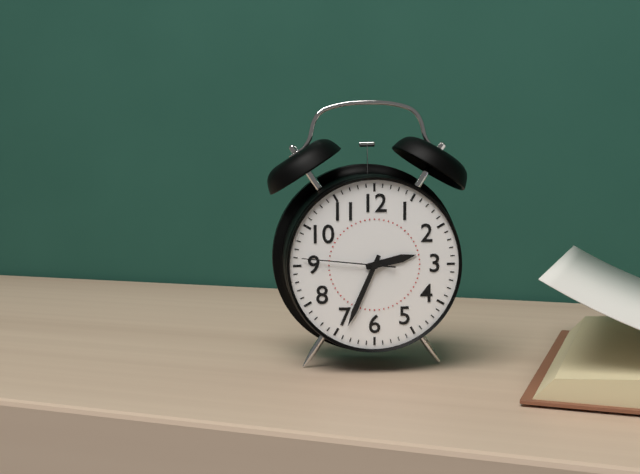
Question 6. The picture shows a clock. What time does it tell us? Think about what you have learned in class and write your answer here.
2:34:46
